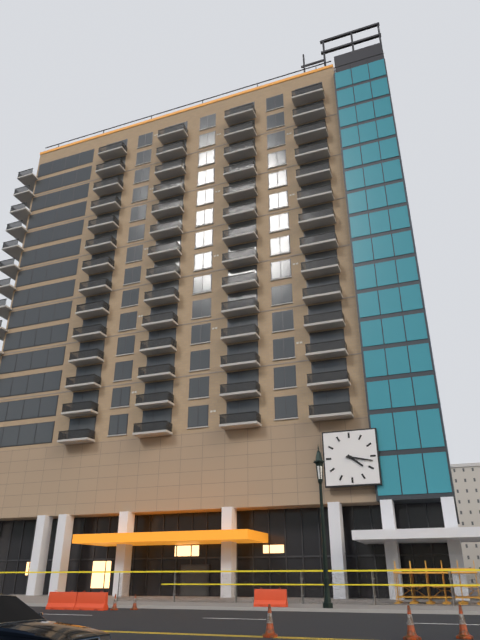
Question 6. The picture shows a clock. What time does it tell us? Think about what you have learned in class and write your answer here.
4:17
